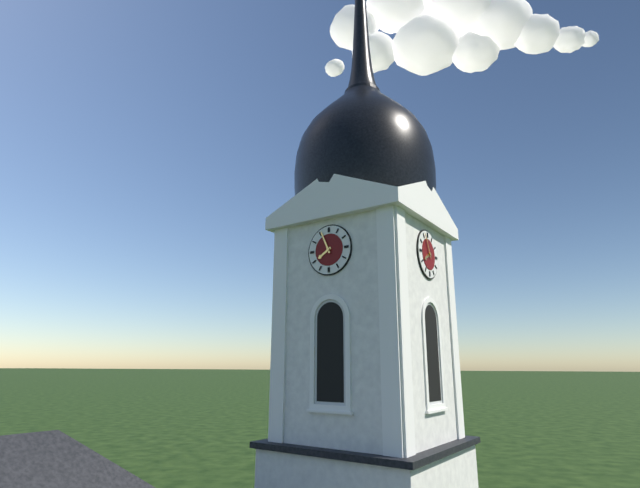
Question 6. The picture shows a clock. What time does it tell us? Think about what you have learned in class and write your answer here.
7:56
